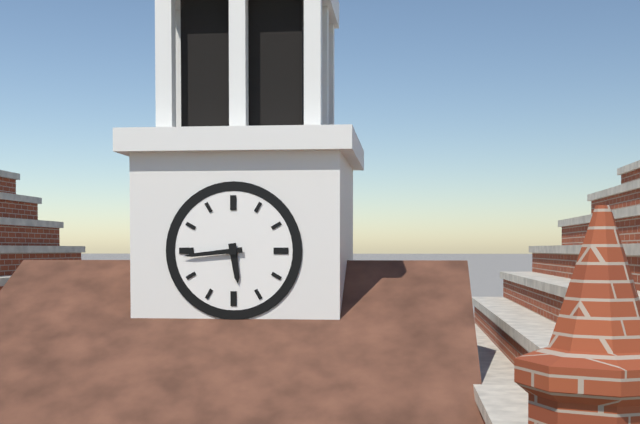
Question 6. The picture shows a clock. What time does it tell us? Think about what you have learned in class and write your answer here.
5:44
